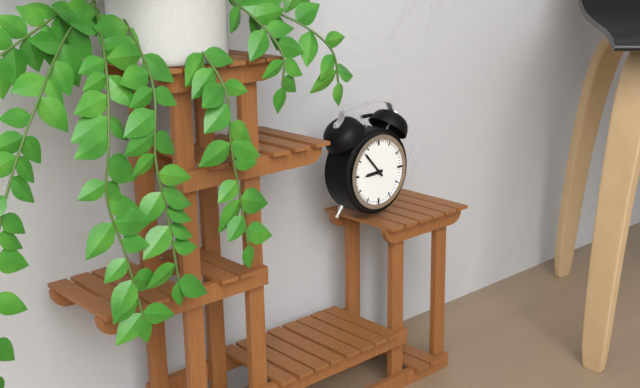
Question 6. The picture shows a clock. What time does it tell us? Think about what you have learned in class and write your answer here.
8:53
